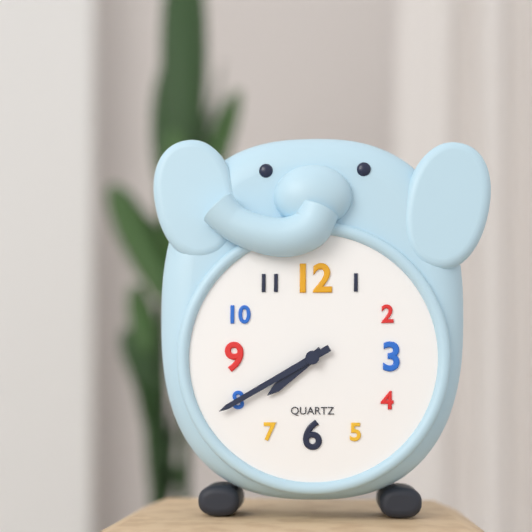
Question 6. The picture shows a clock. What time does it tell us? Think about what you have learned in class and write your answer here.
7:40
